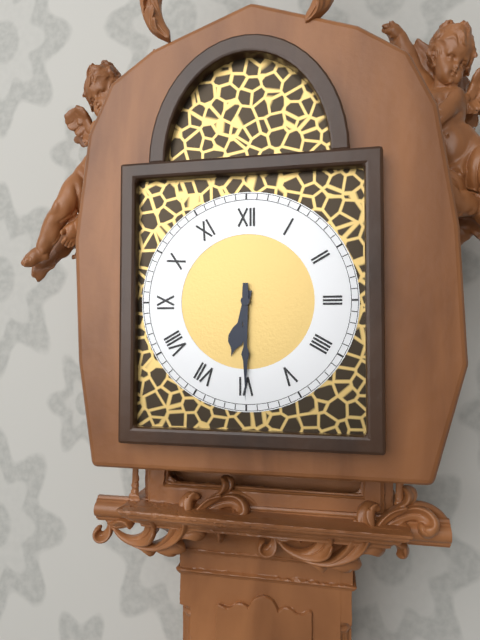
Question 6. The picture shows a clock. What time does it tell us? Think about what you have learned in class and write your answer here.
6:30
